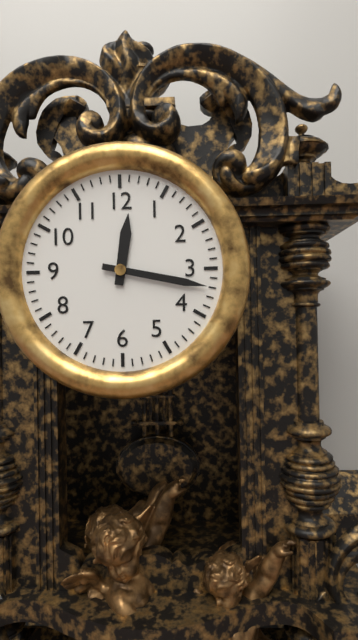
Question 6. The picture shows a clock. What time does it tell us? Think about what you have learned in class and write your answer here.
12:17
